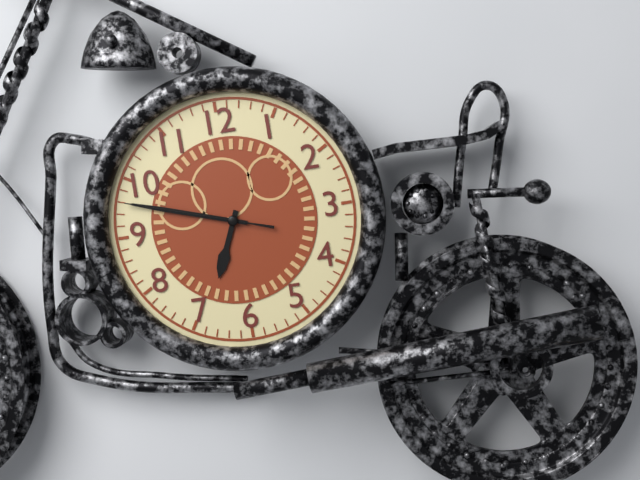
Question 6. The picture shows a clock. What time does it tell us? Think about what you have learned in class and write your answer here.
6:48:48
